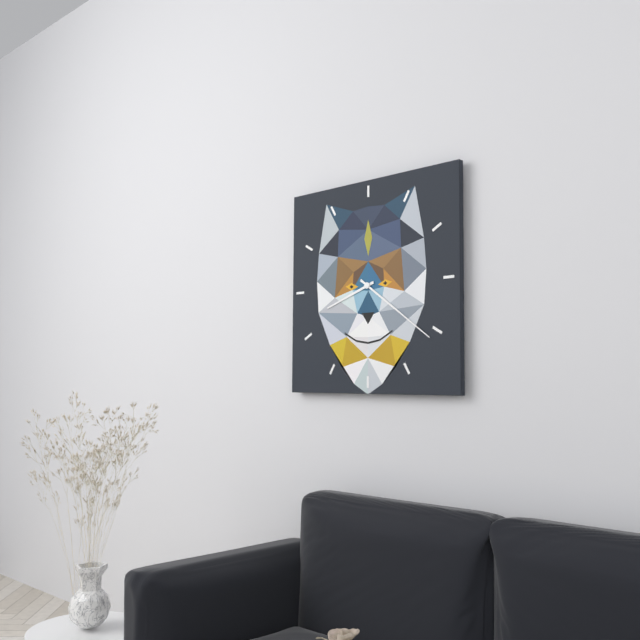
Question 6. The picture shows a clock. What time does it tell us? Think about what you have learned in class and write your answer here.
8:21
